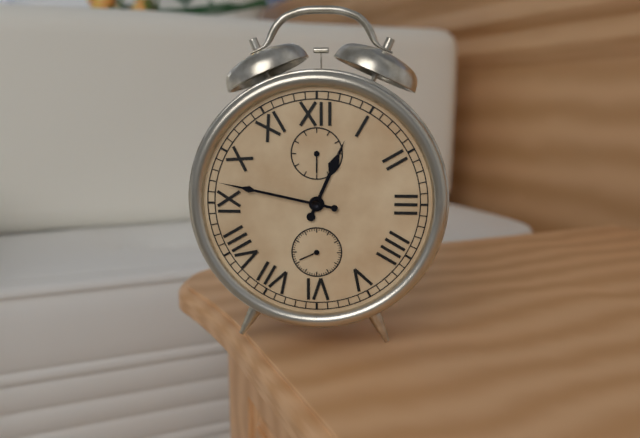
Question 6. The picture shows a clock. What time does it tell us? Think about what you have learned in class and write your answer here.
12:47
